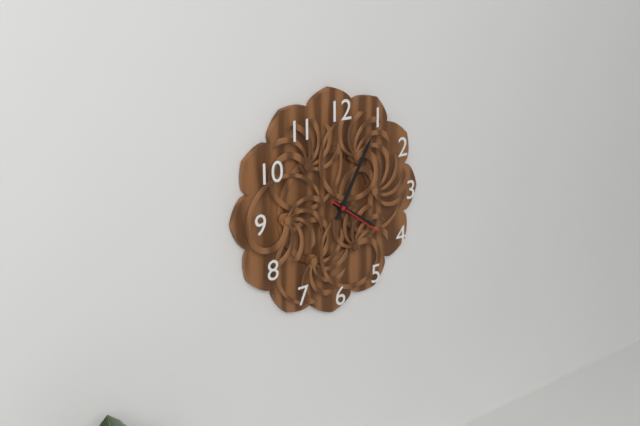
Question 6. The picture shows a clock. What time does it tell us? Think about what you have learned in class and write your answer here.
4:05:21
